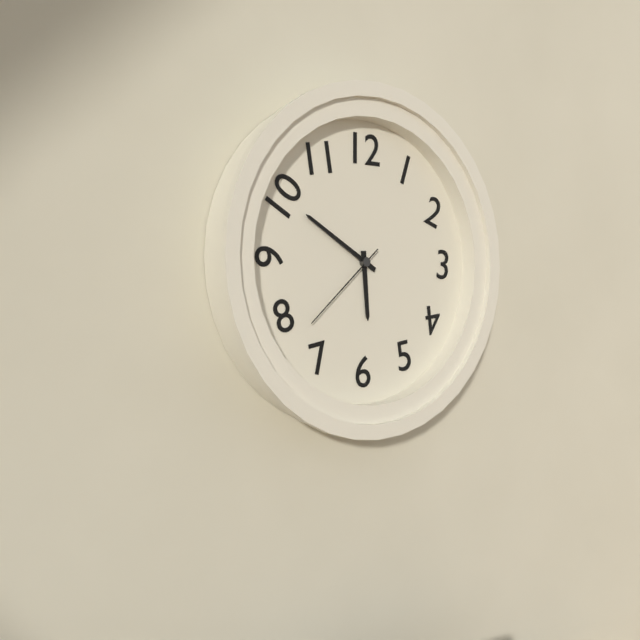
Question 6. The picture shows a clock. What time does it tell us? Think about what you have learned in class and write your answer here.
5:50:38
